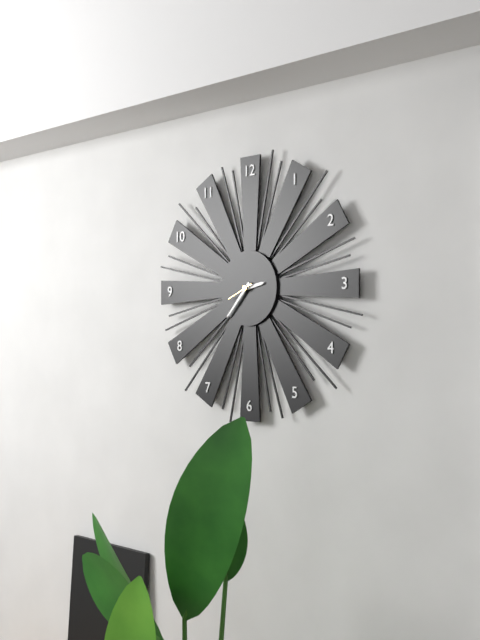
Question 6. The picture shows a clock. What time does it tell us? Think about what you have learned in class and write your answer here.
2:37
